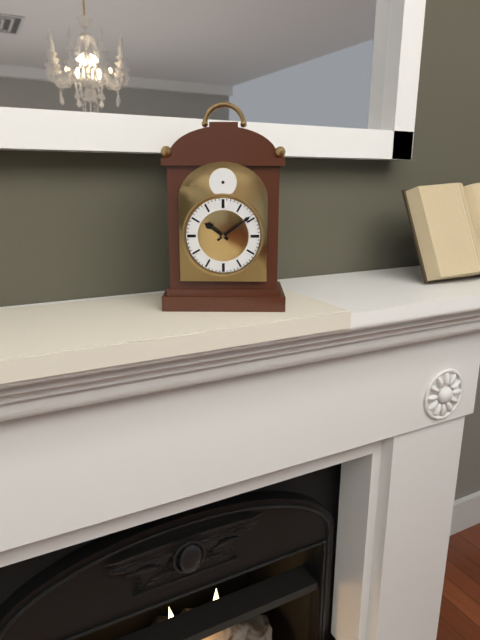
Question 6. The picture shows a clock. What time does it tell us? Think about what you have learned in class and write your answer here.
10:09
